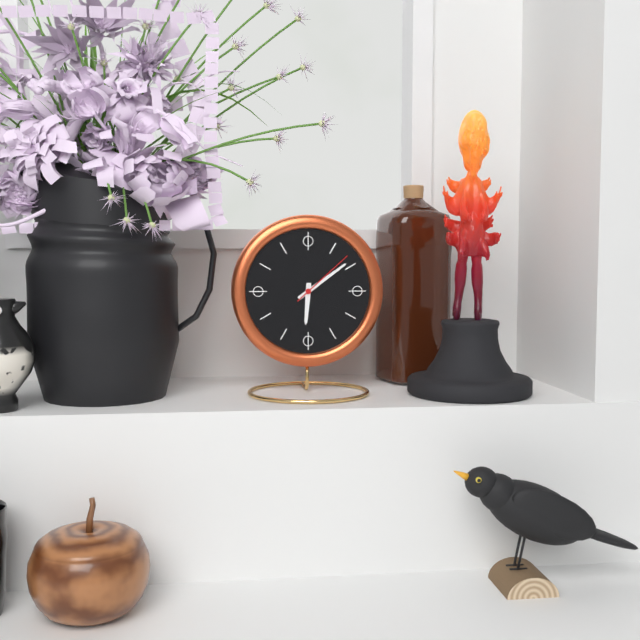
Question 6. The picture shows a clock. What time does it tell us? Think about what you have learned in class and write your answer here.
6:09:08
